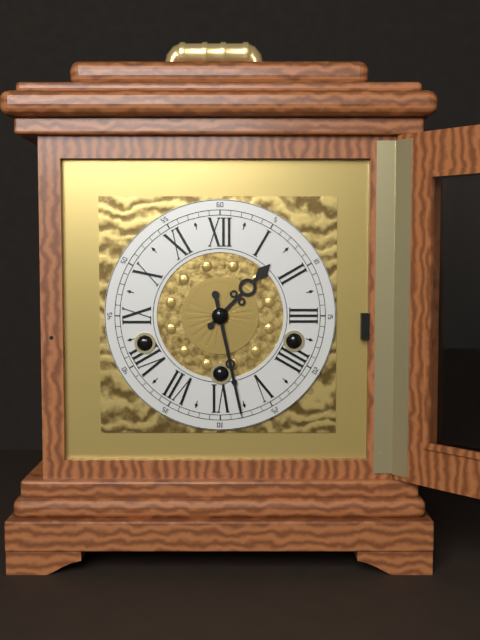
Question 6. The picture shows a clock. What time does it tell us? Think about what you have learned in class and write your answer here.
1:28
